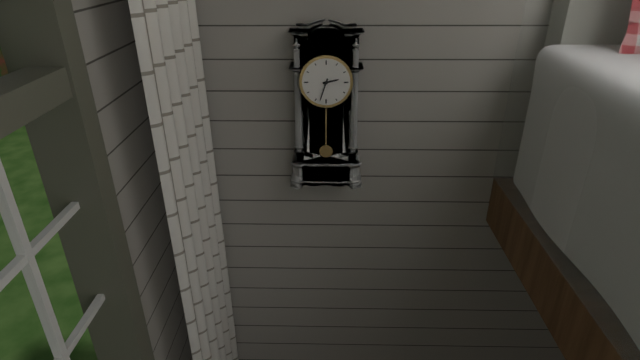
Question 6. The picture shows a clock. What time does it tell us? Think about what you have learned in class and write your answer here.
2:33
